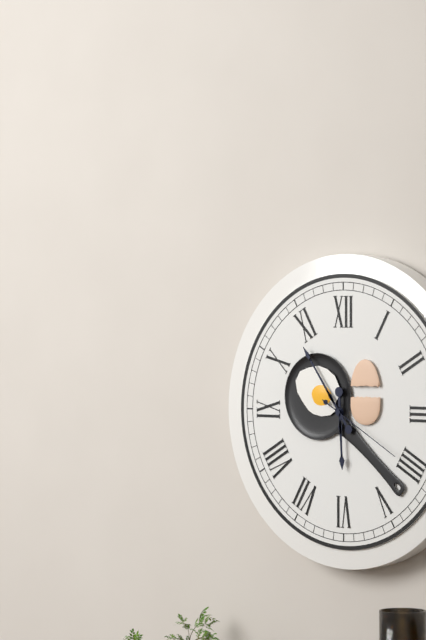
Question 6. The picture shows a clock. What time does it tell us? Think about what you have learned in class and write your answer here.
5:54:20
